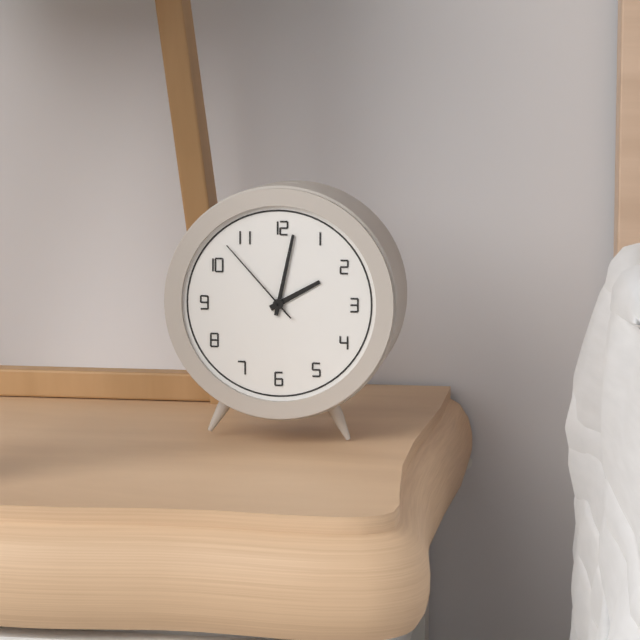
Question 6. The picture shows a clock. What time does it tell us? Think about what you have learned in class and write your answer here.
2:02:53
